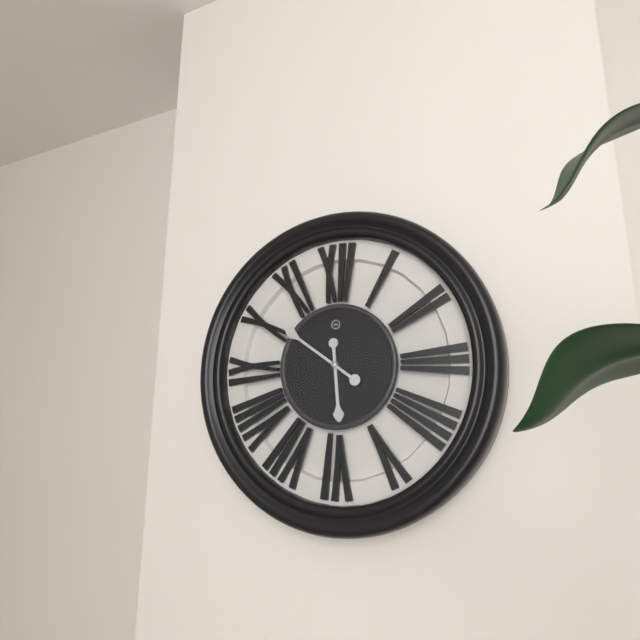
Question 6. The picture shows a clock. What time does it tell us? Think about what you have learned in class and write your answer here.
5:51
